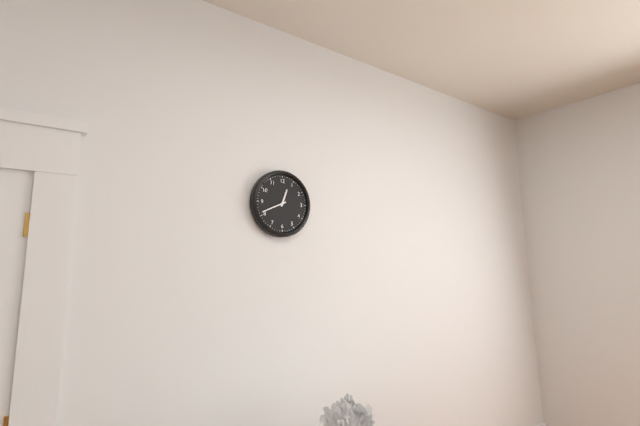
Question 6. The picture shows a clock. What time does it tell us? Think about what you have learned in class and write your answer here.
12:41
